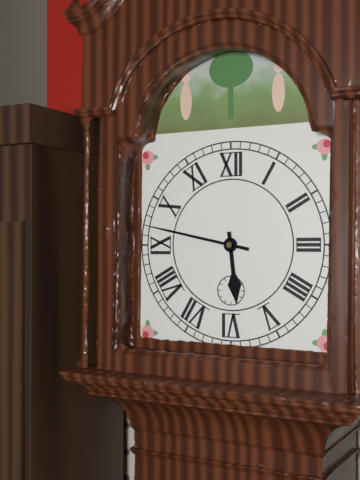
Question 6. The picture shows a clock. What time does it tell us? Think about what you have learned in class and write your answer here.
5:47
